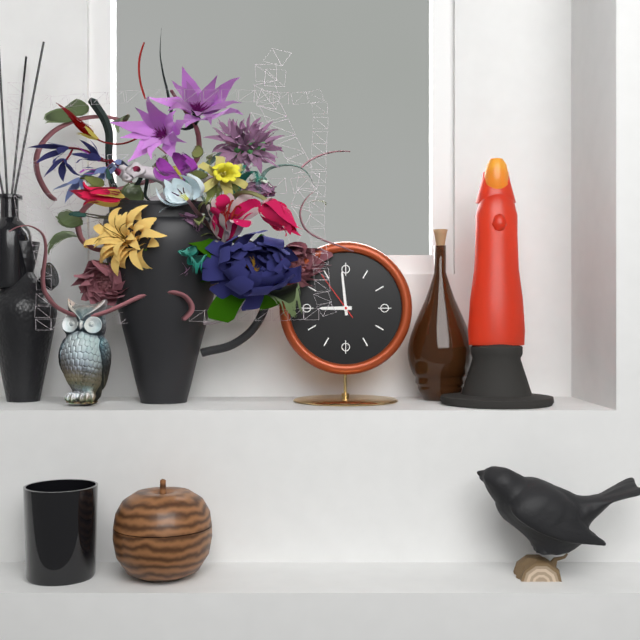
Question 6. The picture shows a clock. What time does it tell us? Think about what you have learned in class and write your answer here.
8:59:54
